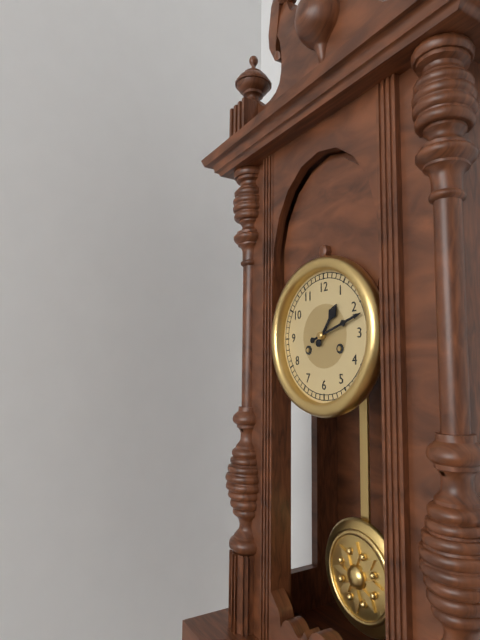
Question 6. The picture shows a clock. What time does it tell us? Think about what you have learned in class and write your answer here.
1:12
